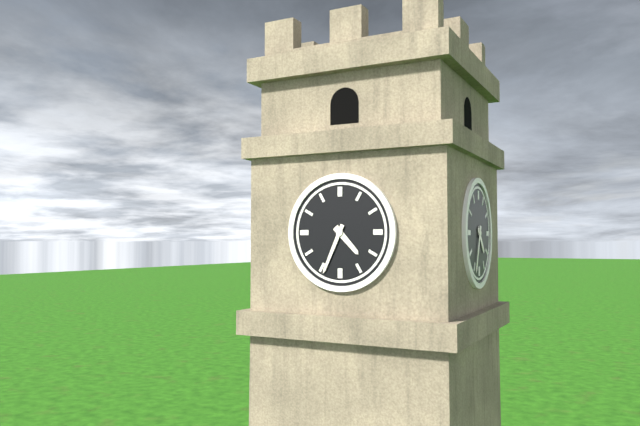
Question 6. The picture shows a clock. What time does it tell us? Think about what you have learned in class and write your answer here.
4:34
